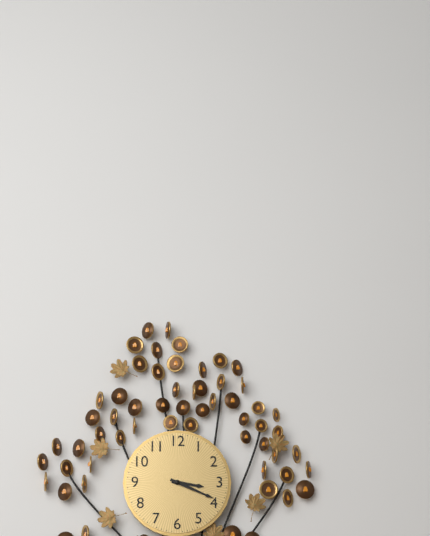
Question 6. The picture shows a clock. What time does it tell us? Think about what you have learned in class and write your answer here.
3:19
